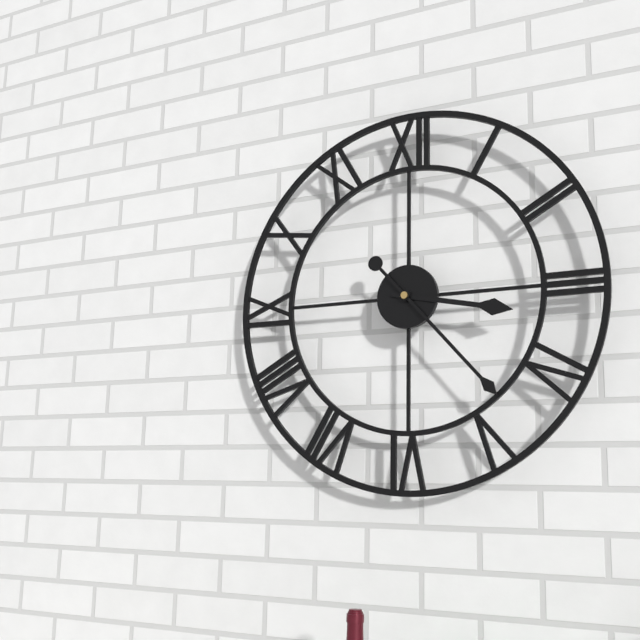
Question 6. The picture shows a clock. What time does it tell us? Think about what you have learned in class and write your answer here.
3:23
